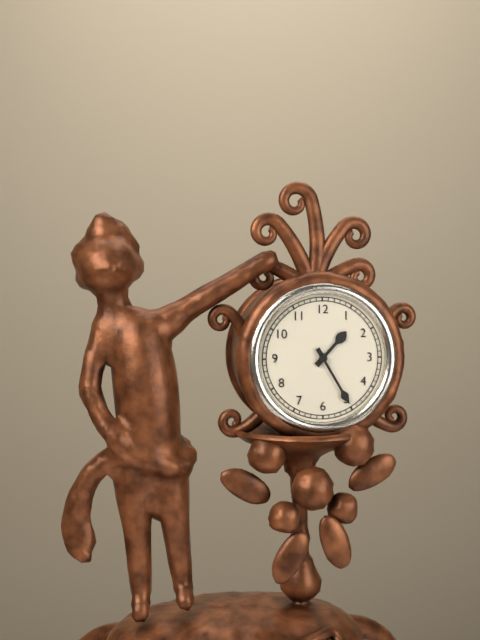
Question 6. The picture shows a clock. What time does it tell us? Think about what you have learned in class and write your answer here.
1:25
